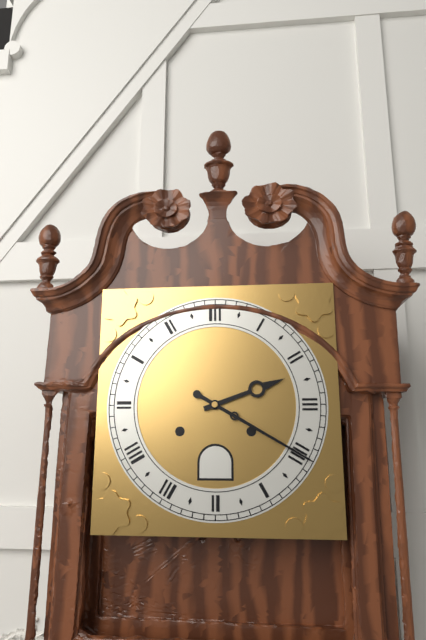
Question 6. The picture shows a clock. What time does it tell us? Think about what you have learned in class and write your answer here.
2:20
